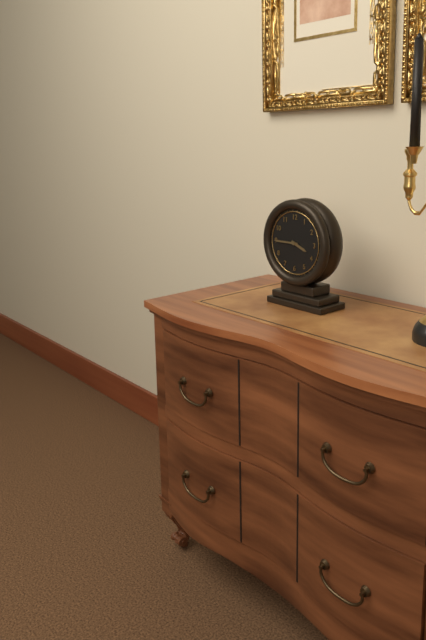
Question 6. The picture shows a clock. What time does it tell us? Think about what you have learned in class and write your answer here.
3:45
